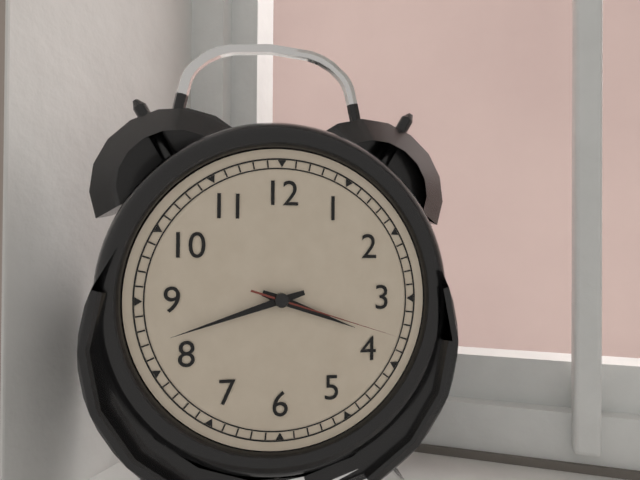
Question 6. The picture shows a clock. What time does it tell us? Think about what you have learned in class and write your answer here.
3:42:18
